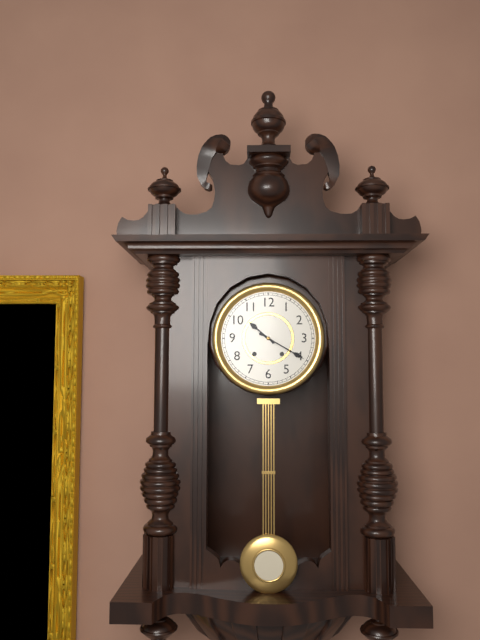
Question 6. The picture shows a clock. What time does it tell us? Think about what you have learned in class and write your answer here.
10:20
